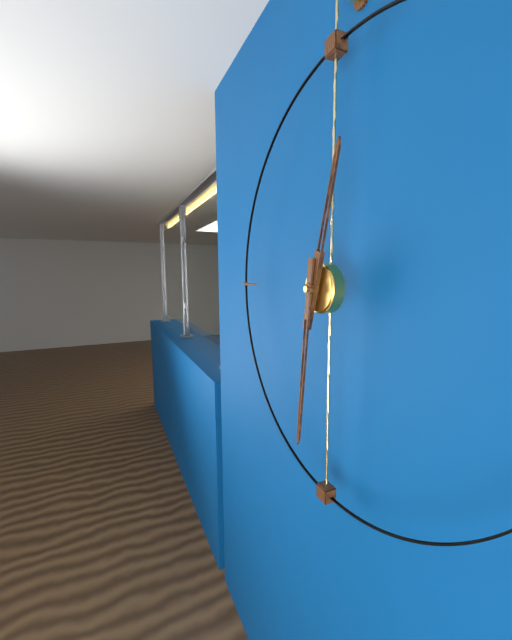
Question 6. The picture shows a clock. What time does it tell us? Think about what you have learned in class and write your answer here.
12:31
